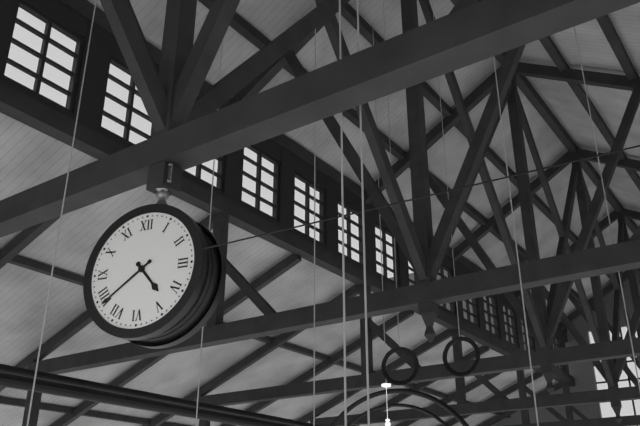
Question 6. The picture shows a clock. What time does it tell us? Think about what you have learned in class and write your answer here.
4:39
